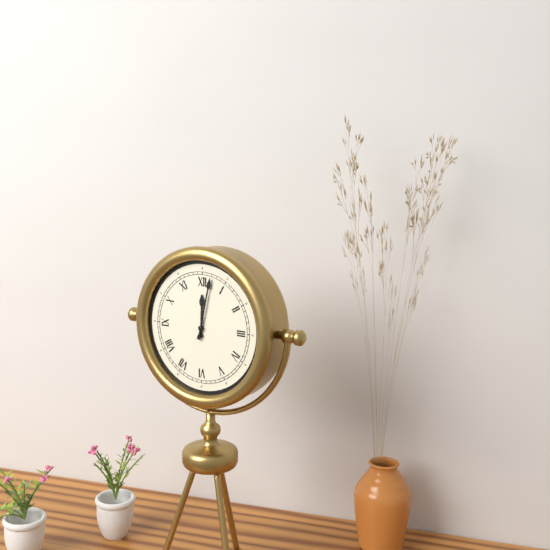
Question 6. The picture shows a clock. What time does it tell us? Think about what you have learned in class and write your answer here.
12:02
